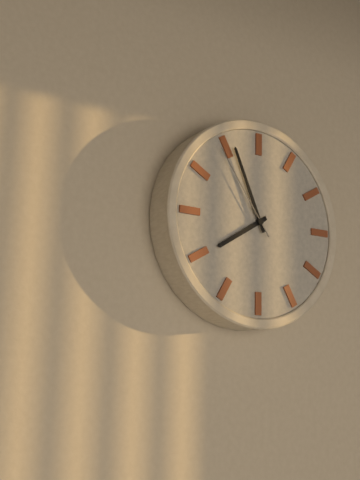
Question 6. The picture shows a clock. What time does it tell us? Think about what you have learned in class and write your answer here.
7:56:54
